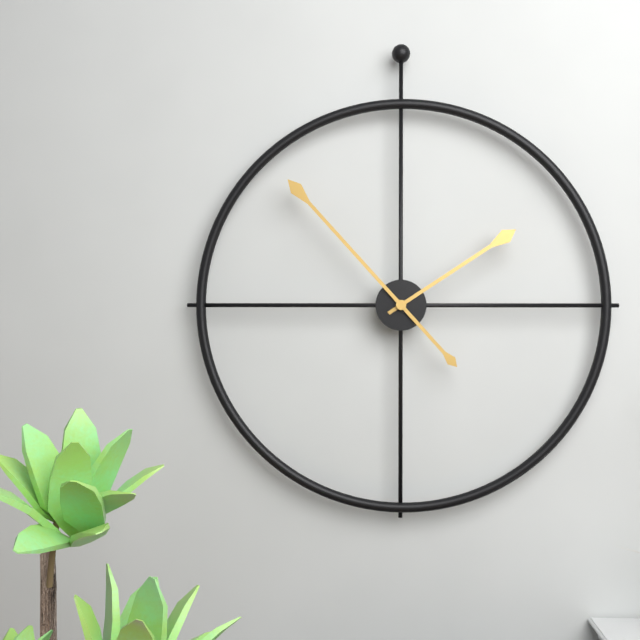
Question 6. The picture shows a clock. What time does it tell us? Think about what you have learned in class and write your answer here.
1:53
